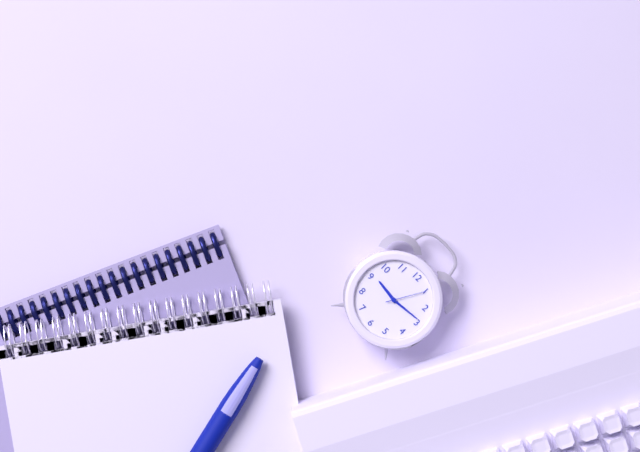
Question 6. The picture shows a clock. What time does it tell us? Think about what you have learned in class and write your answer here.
9:14
